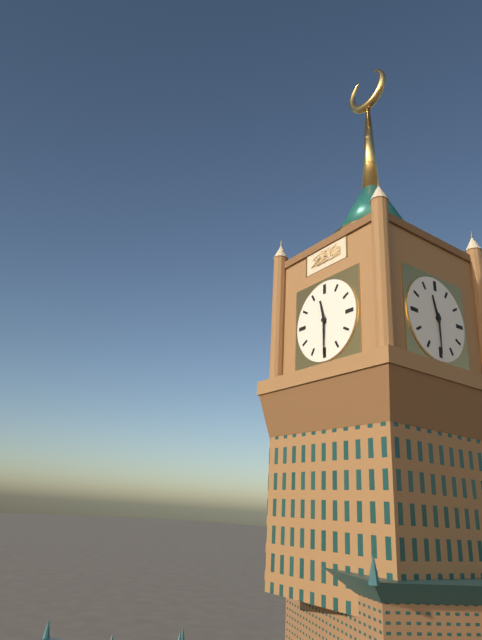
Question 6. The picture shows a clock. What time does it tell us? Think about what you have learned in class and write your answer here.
11:30
